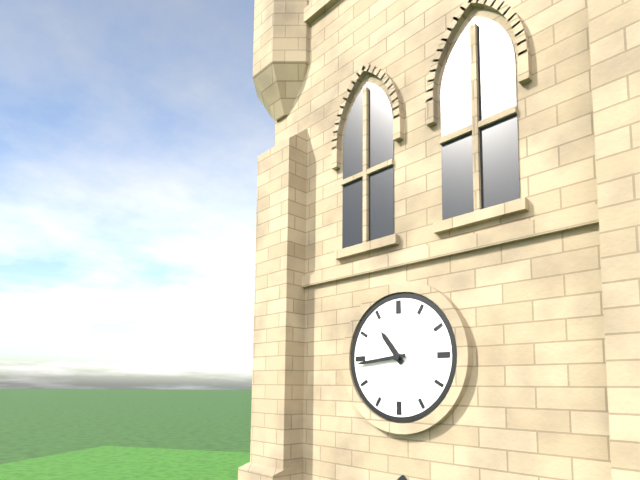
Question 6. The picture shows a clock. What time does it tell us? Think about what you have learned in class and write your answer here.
10:44
